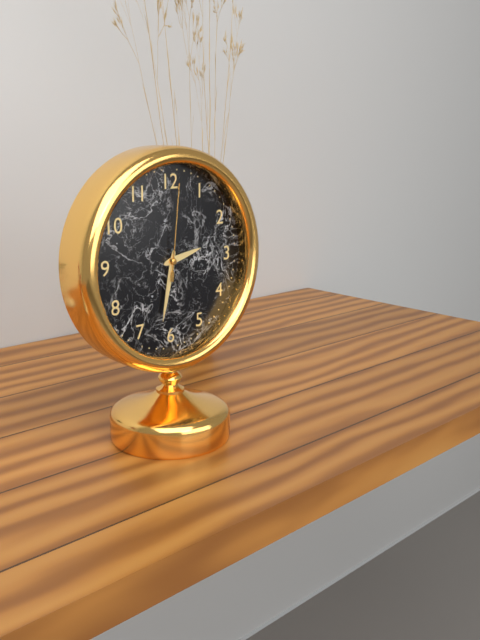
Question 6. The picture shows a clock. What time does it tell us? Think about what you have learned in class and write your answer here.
2:32:01
